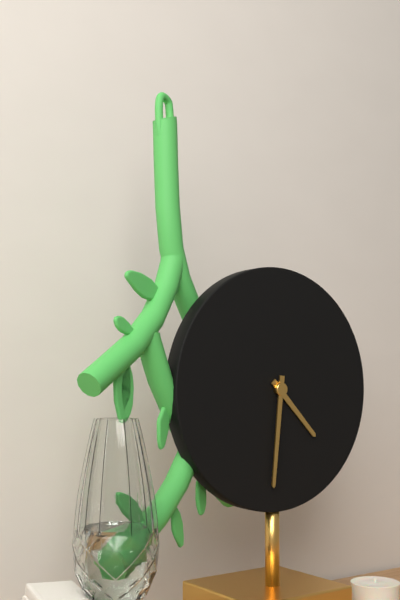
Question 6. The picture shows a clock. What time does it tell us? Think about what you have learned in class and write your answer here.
4:31
